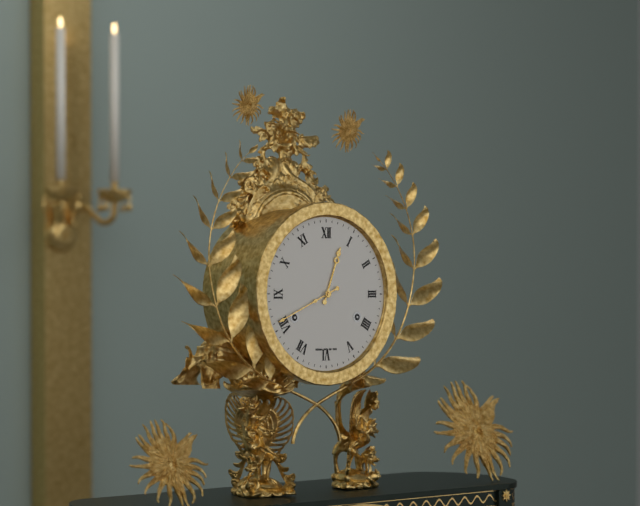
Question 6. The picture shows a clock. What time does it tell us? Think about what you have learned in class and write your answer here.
12:41
